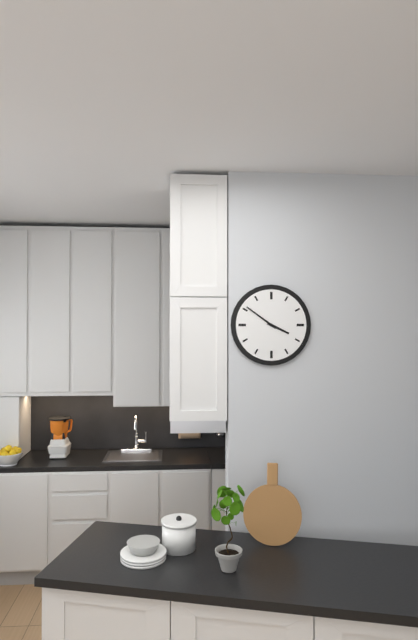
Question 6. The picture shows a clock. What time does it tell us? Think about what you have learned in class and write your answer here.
3:51
